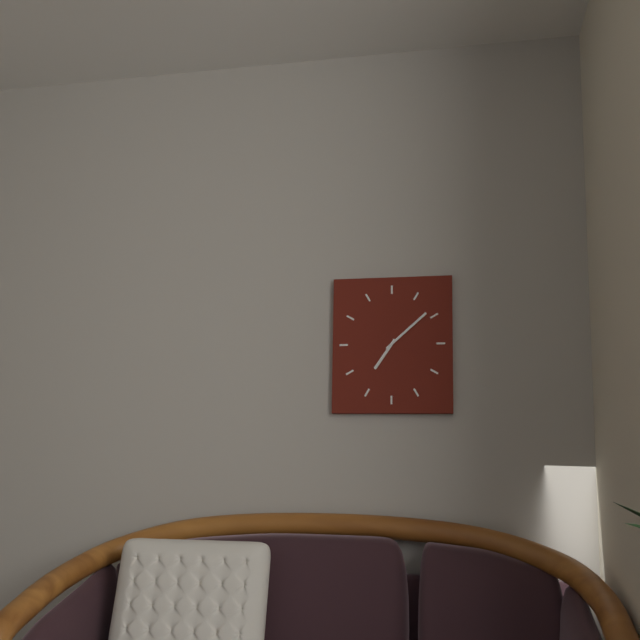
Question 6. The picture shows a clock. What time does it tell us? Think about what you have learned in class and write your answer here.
7:08
